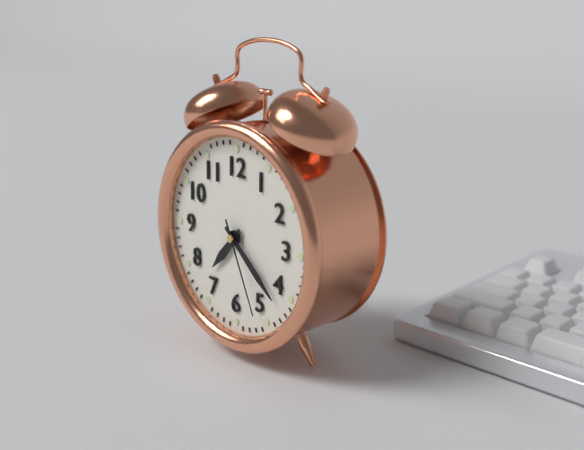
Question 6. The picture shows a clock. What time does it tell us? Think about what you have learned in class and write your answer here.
7:22:26
